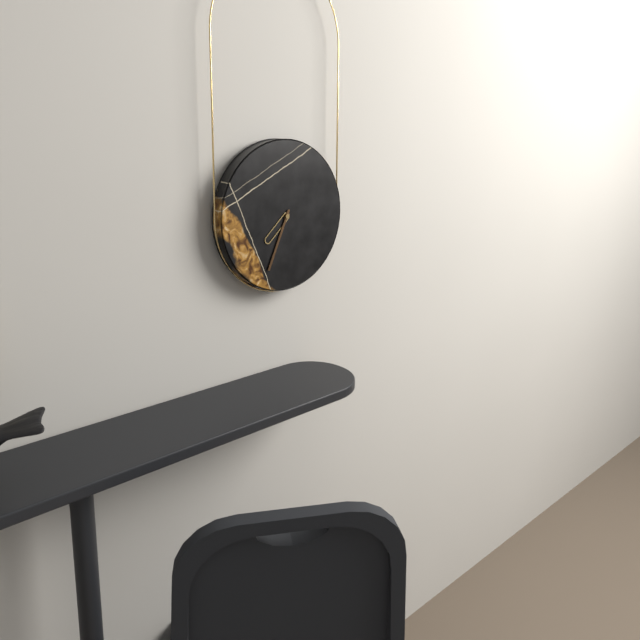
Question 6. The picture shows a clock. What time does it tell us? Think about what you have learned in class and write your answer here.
7:34
